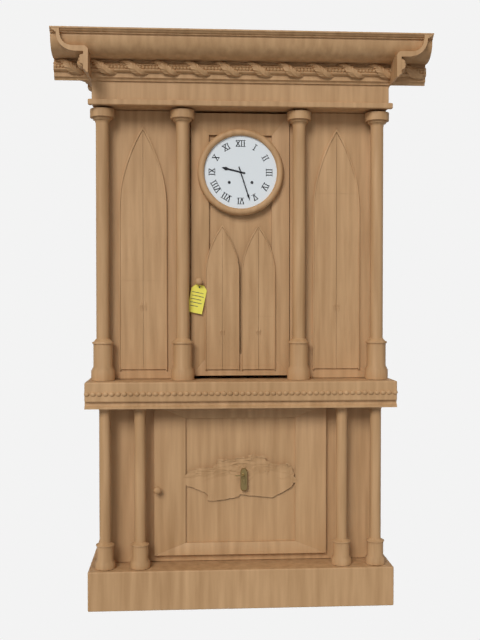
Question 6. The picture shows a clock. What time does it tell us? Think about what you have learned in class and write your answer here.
9:27
